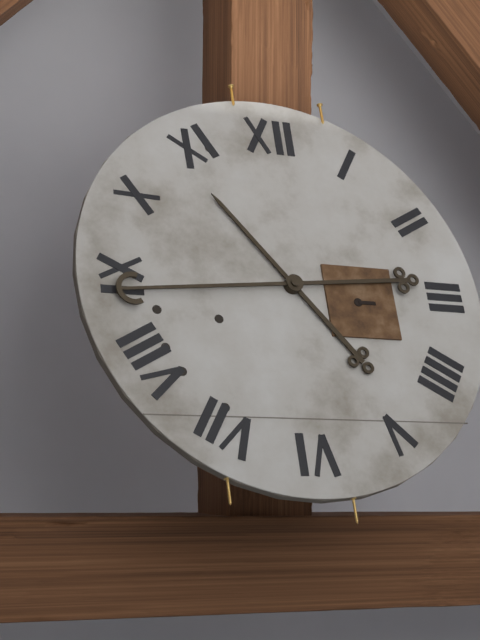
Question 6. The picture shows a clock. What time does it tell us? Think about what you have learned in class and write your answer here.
10:44
